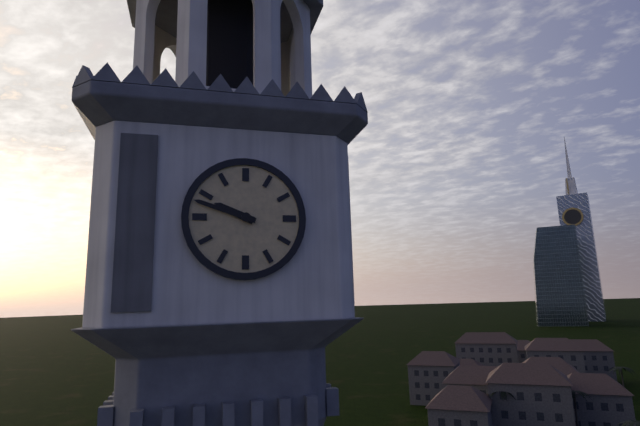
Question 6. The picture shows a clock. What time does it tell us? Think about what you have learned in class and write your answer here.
9:48
